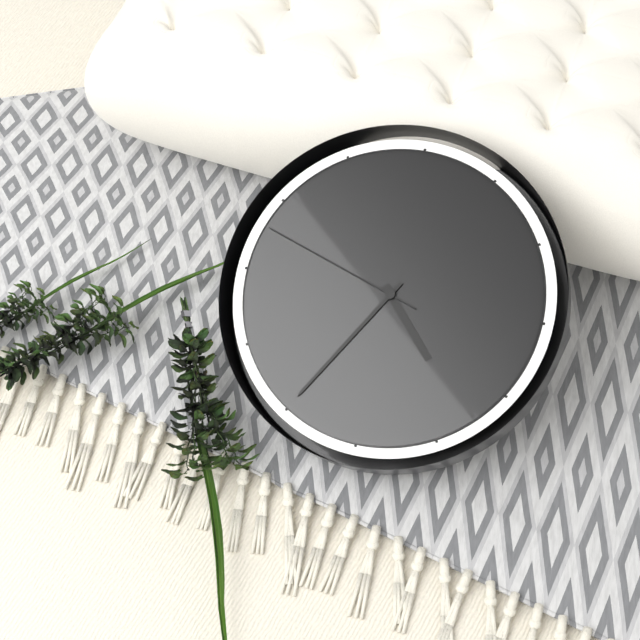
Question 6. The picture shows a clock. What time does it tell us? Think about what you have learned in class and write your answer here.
4:35:48
